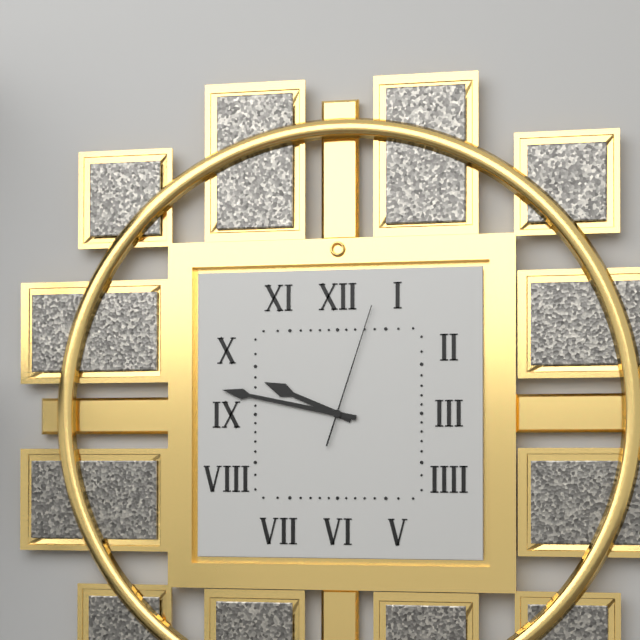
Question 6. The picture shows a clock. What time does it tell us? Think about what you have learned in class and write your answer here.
9:47:03
